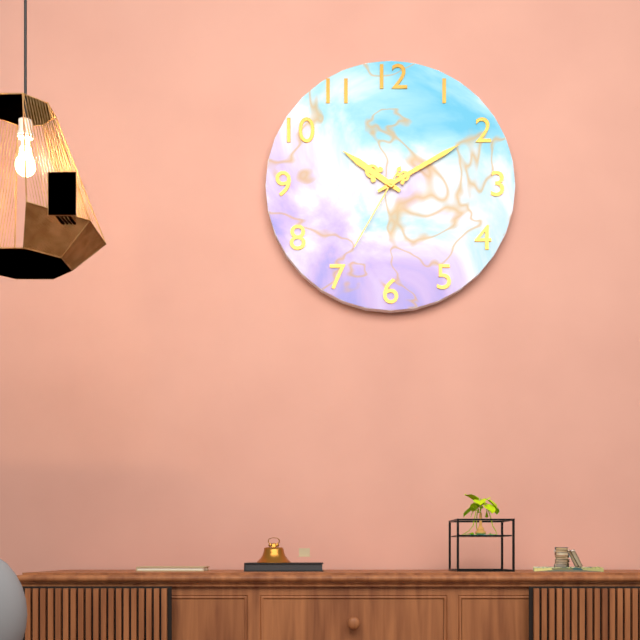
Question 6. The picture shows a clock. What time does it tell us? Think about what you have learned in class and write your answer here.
10:10:35
